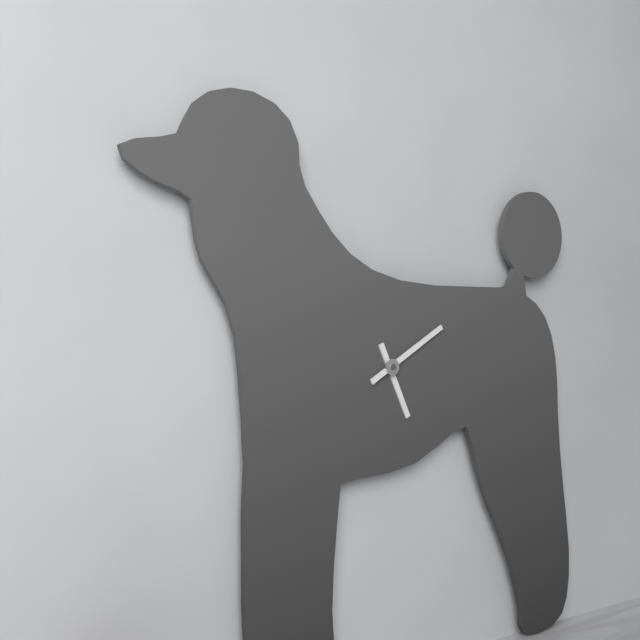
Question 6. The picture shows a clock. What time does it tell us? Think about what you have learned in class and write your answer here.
5:10
